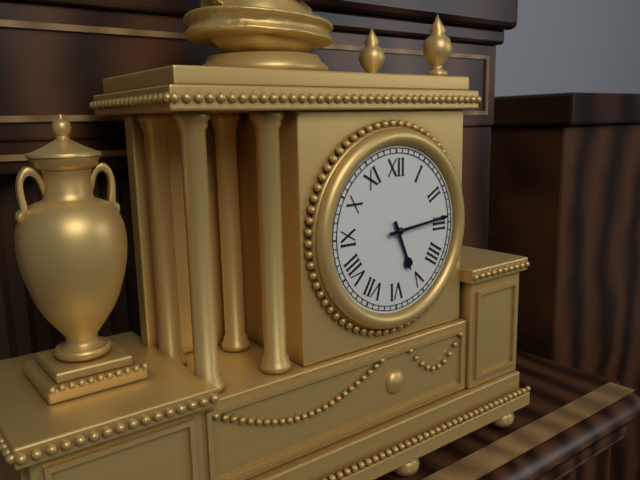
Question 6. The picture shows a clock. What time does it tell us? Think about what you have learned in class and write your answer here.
5:14
